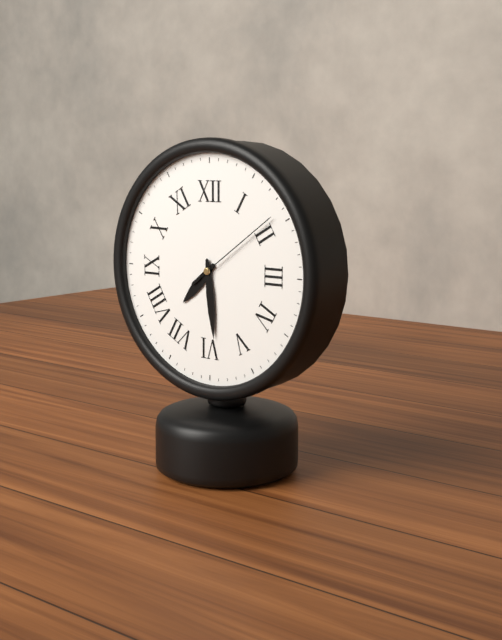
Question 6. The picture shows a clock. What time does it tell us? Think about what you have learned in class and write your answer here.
7:29:09
